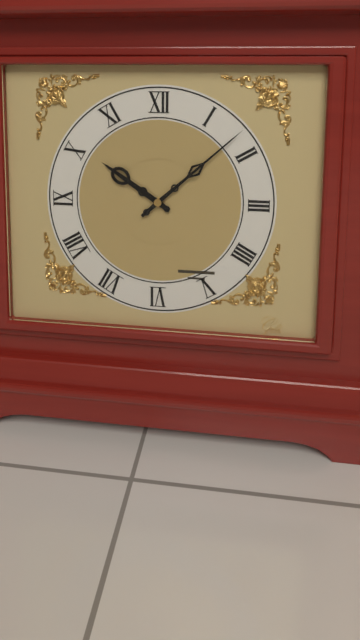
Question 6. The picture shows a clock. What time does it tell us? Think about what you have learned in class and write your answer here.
10:08
